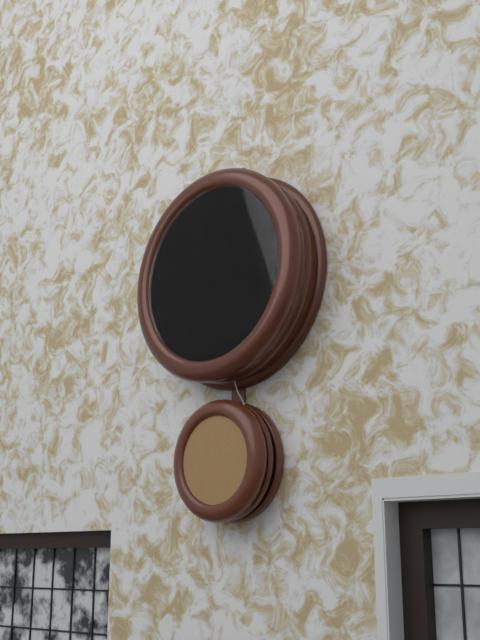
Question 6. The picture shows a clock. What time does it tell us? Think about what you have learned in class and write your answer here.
12:26
